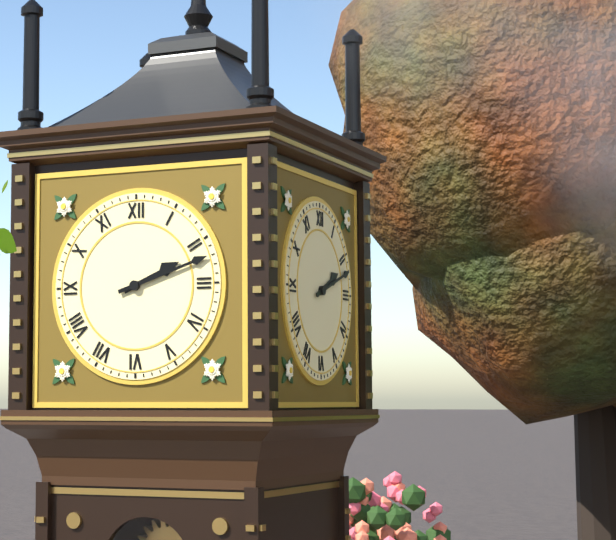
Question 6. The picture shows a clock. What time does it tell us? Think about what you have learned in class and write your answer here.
2:12
